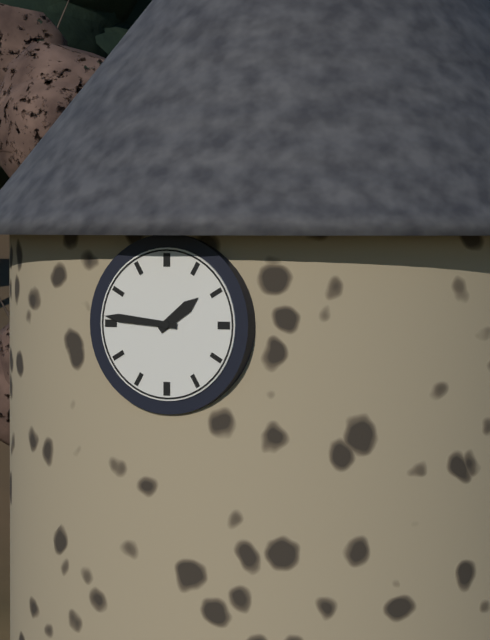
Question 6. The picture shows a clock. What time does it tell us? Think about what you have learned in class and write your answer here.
1:46
